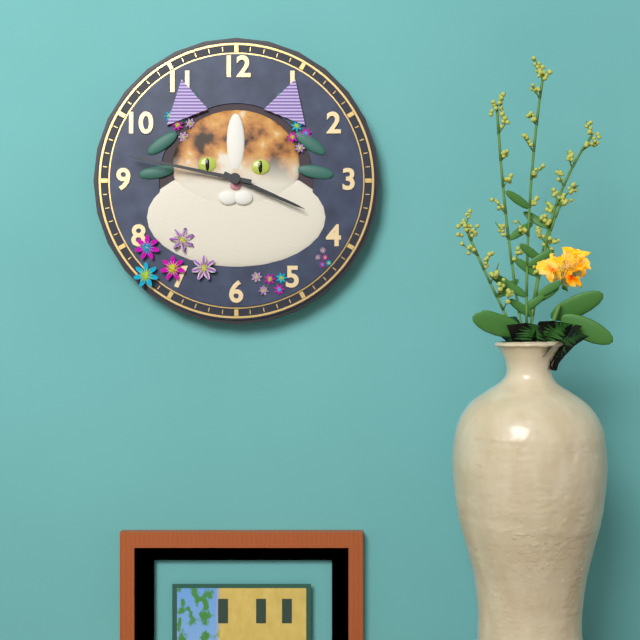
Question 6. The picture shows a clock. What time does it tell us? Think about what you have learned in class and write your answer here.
3:47
